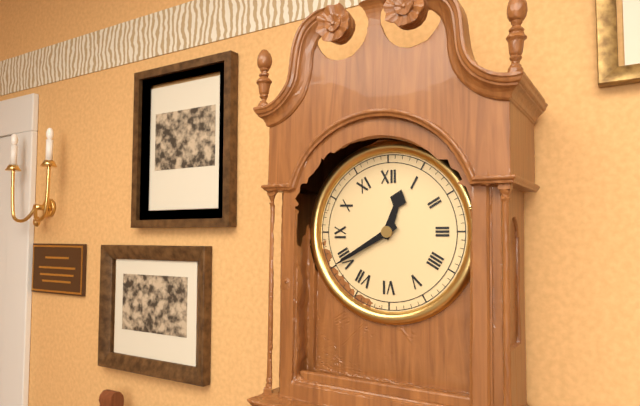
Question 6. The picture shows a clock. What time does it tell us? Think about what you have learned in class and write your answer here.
12:40
